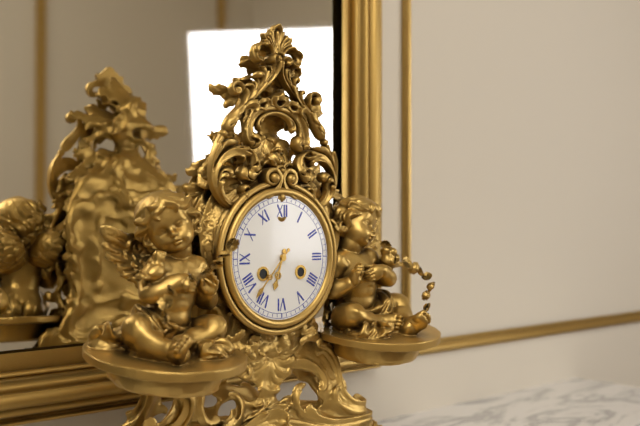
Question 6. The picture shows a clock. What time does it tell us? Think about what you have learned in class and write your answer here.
6:37
